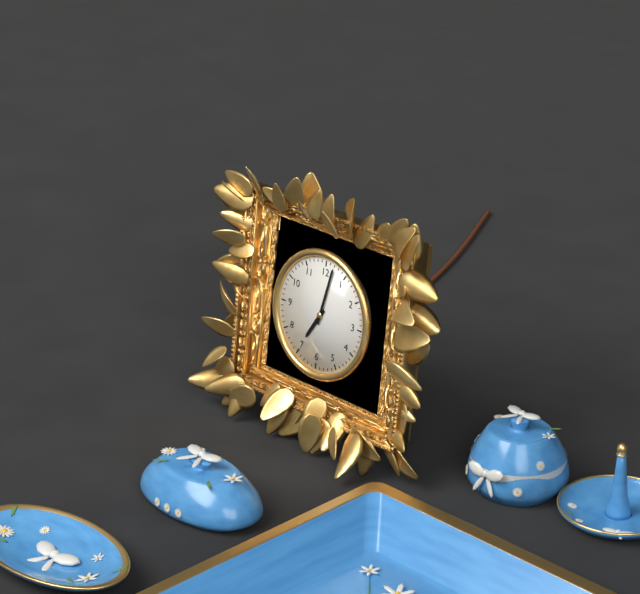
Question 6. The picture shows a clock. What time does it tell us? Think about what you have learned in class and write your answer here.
7:02
